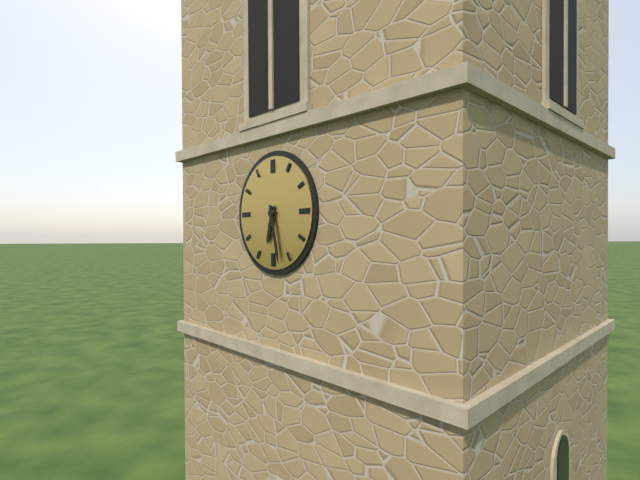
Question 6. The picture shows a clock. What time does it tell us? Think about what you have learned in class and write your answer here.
6:28
